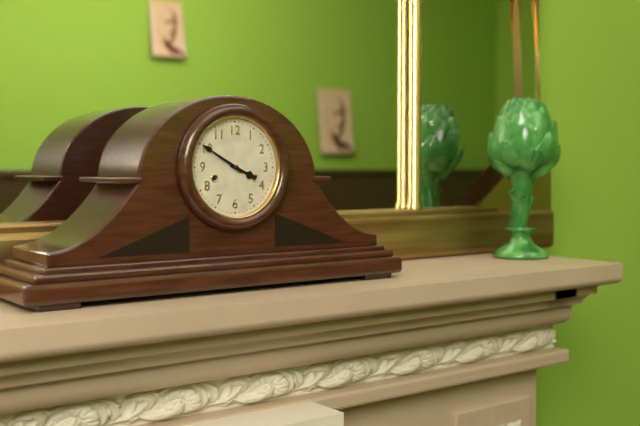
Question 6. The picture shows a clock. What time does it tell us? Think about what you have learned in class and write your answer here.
3:50
